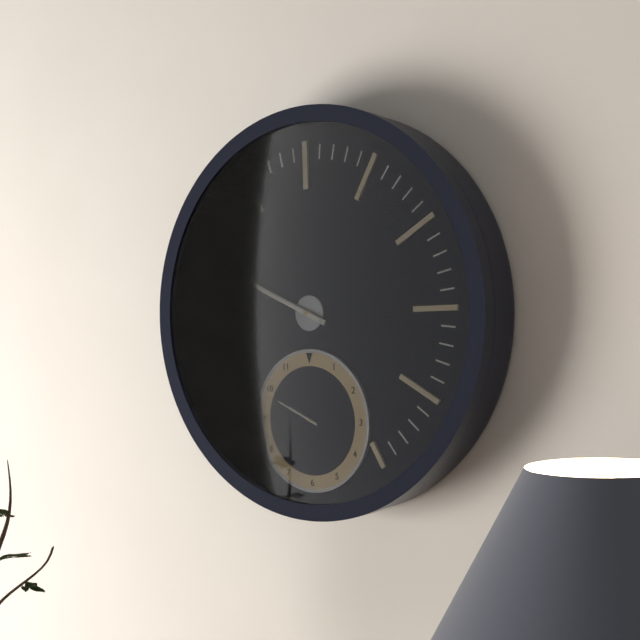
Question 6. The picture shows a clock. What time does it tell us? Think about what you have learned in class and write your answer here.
9:49
